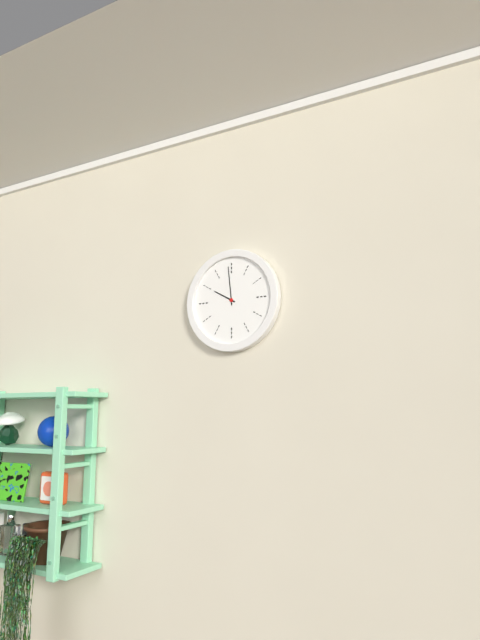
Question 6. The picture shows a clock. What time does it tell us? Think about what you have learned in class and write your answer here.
9:59
